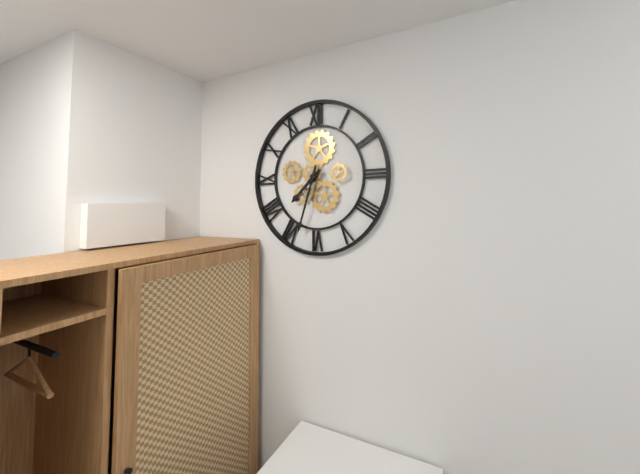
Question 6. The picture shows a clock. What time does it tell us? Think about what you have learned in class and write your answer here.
7:33
